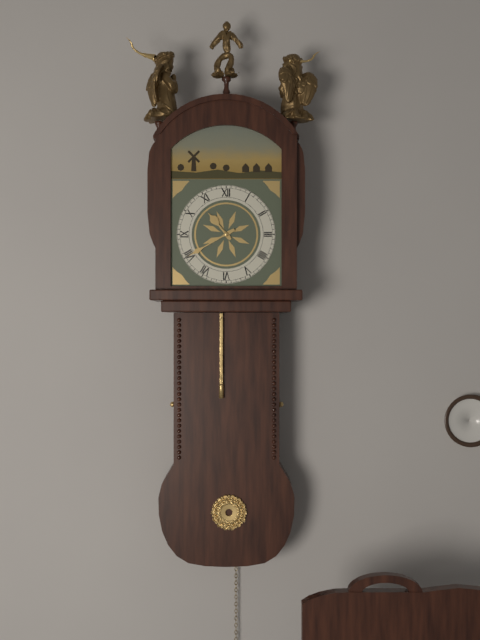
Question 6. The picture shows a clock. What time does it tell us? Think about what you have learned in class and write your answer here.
10:40
